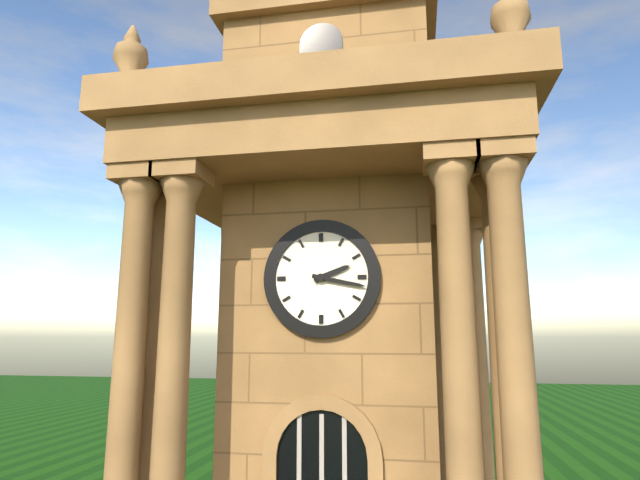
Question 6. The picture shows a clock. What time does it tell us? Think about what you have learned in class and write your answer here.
2:17
